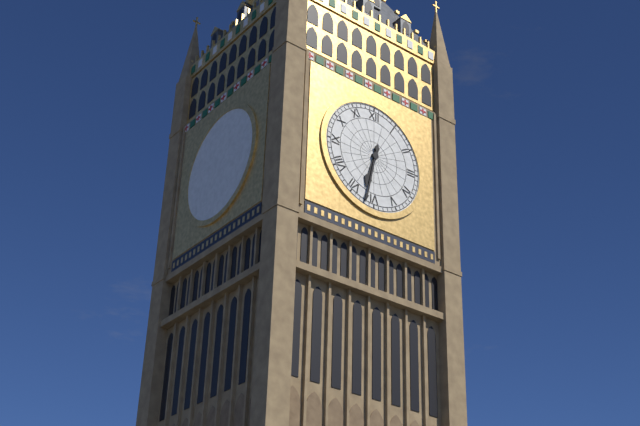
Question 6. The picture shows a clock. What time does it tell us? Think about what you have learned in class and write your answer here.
6:32
